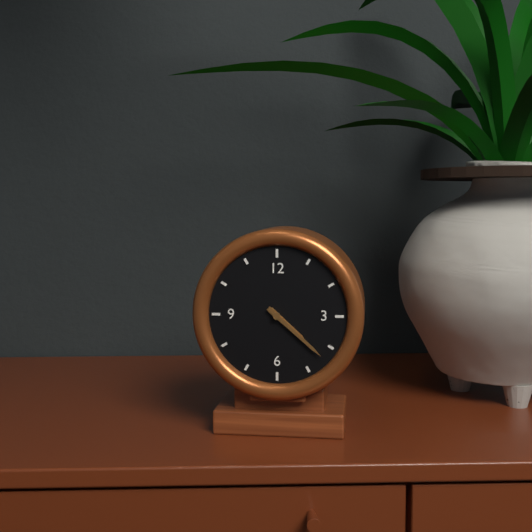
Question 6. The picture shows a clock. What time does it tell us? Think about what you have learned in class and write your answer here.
4:22
